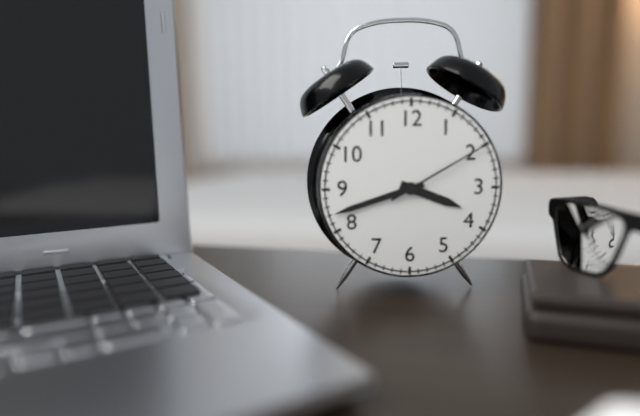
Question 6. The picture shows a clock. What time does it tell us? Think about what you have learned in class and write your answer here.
3:42:10
